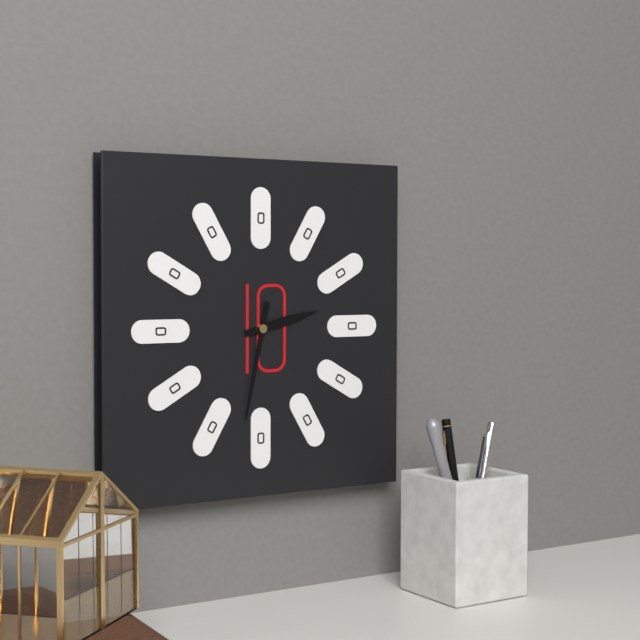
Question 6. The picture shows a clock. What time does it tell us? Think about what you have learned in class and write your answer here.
2:32
